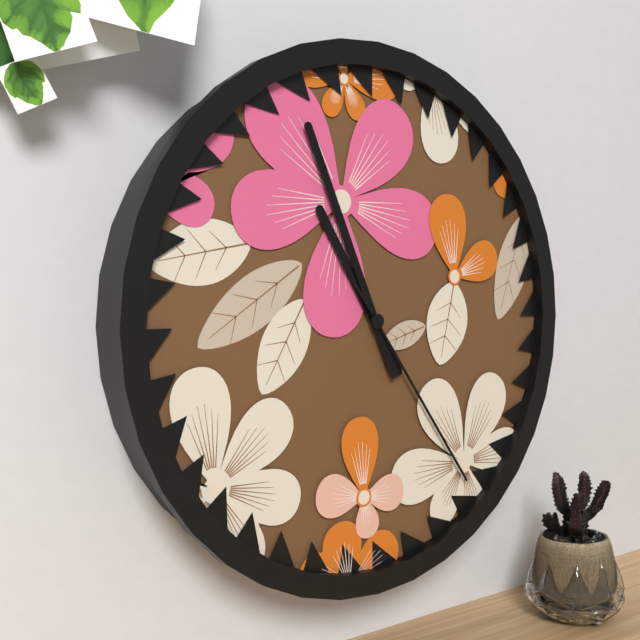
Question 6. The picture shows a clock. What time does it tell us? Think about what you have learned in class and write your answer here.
10:56:24
